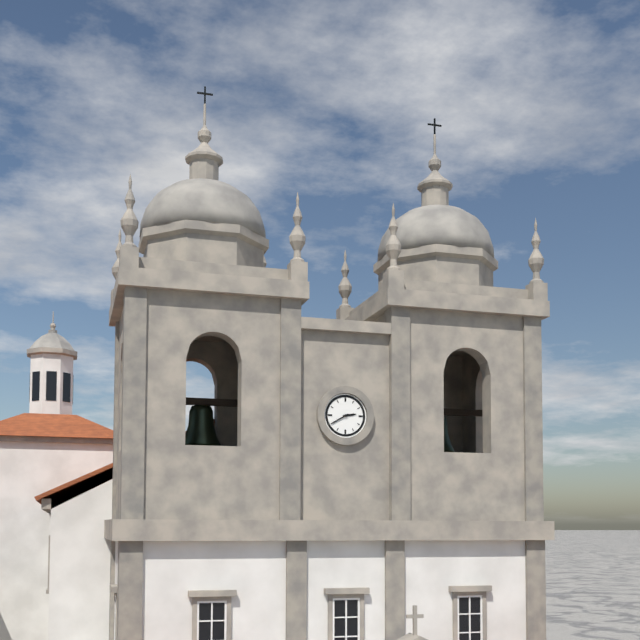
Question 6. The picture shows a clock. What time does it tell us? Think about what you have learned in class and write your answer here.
2:40
